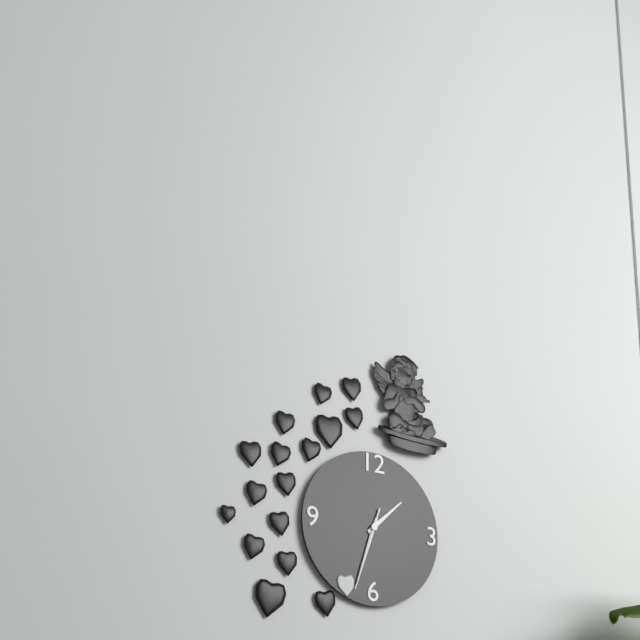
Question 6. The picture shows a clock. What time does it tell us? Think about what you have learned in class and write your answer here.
1:33:33
